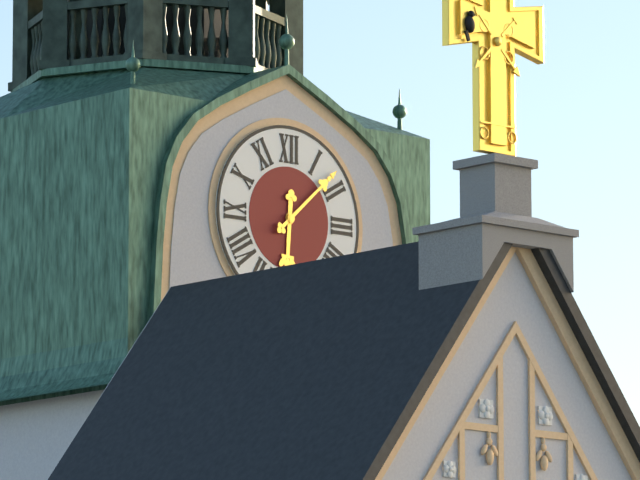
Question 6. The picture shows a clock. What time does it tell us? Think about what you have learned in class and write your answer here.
6:08
